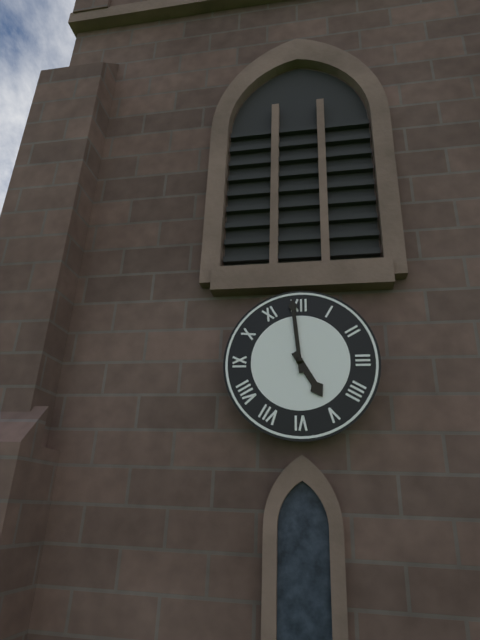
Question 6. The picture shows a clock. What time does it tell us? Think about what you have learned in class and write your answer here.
4:59
